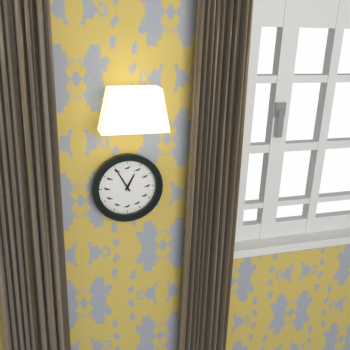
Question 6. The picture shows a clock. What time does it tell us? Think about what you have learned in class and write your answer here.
12:55
